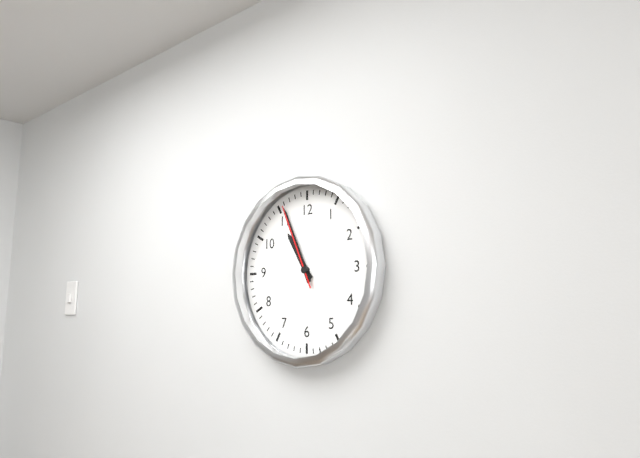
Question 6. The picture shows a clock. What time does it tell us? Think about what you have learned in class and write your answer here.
10:56:56
